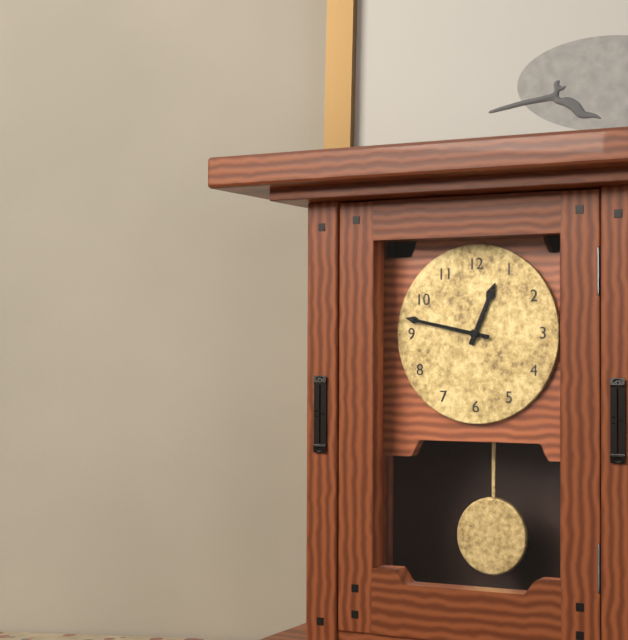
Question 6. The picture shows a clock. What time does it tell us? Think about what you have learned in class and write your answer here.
12:47
